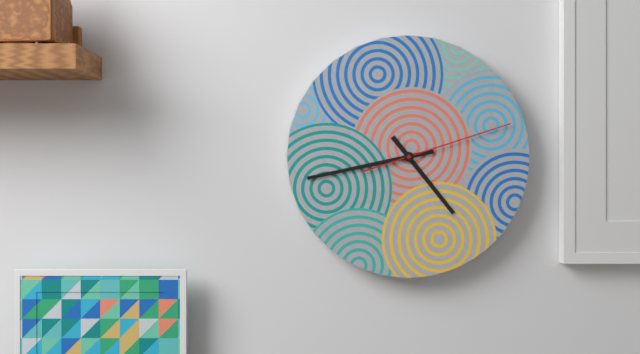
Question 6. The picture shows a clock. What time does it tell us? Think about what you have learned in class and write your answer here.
4:43:12
